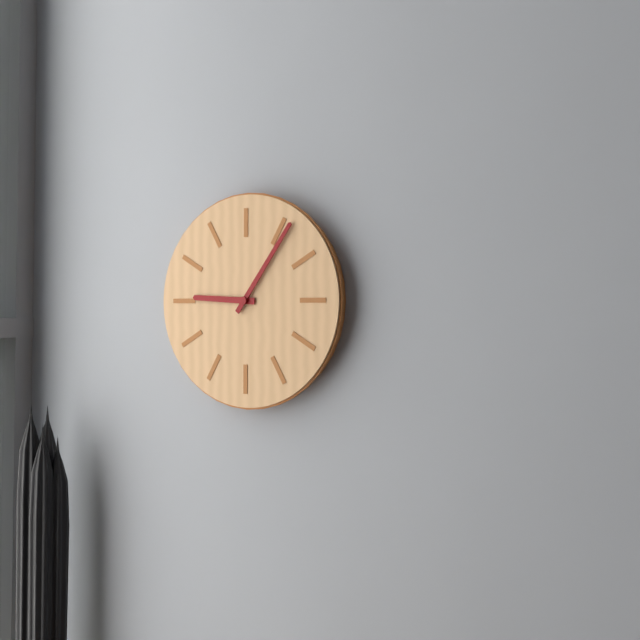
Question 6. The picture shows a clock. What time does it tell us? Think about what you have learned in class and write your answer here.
9:06
